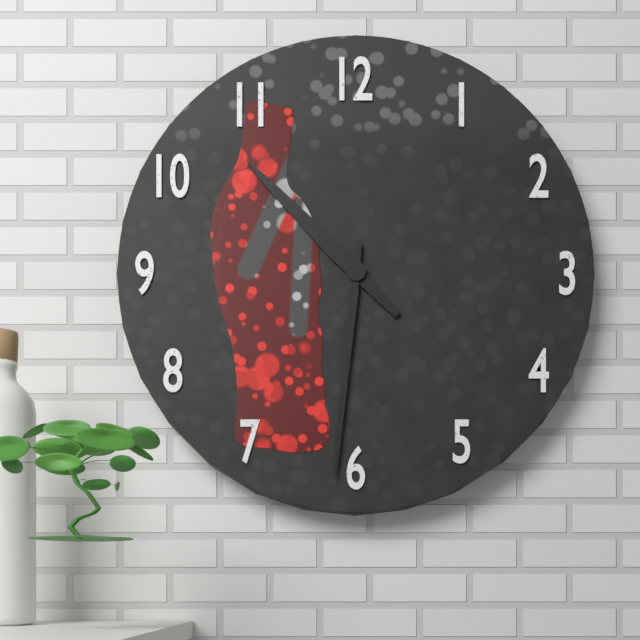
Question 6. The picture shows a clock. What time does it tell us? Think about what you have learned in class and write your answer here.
10:31
